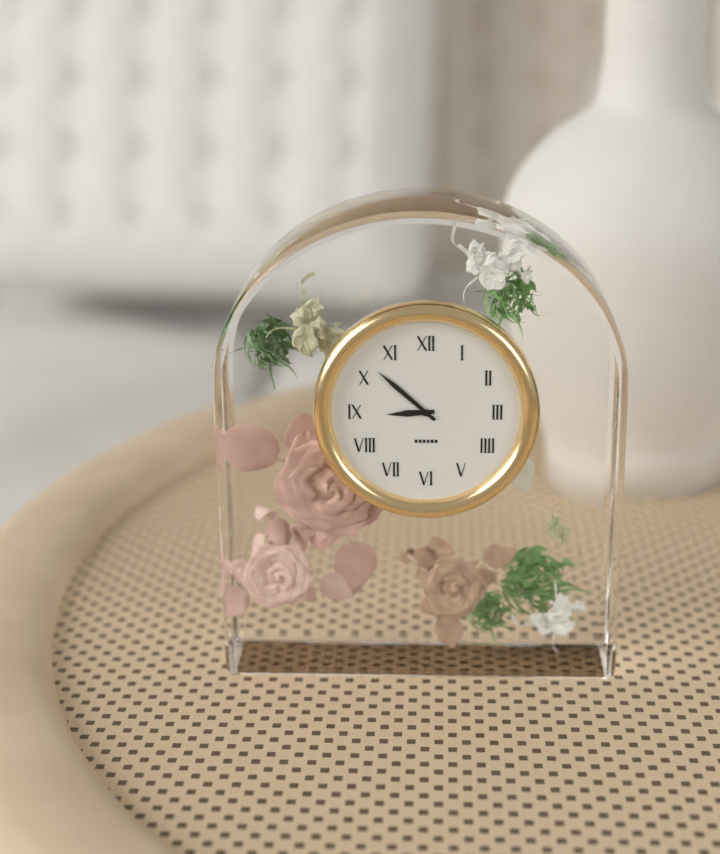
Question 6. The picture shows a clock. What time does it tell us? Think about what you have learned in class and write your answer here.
8:52
